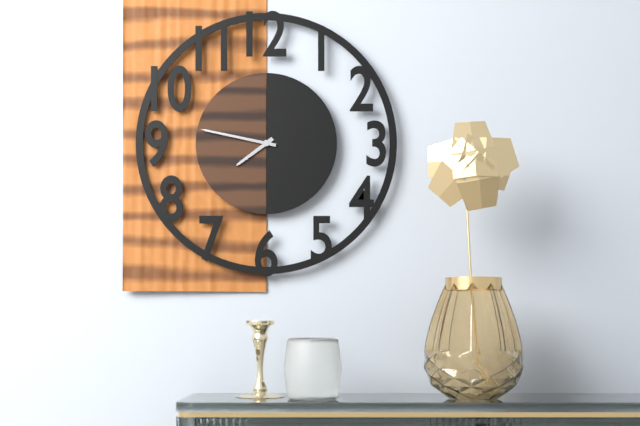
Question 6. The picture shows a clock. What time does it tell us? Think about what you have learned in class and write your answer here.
7:47
